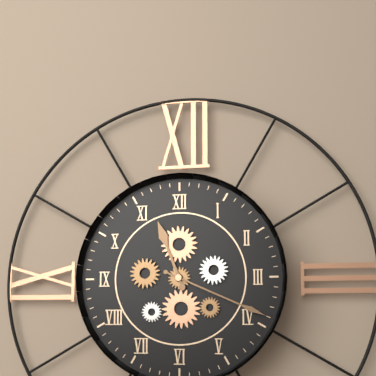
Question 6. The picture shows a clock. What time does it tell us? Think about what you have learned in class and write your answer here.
11:19
